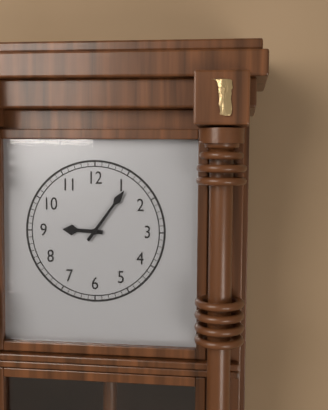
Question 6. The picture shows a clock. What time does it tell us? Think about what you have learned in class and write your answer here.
9:06
